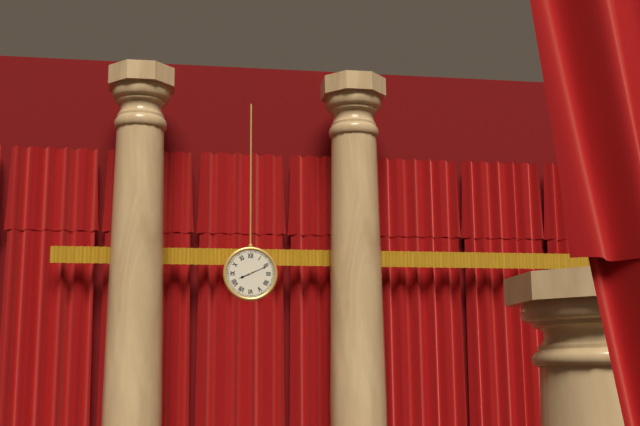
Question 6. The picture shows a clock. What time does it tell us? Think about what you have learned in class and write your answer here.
8:11
